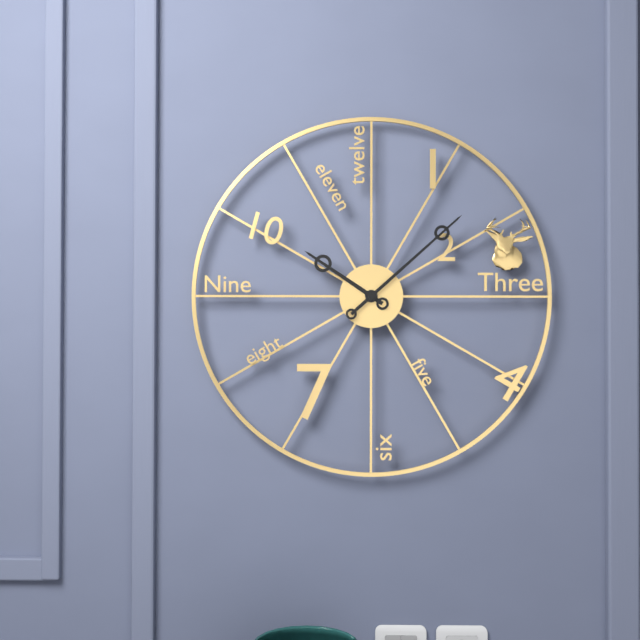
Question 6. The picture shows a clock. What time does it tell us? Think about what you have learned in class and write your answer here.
10:08
